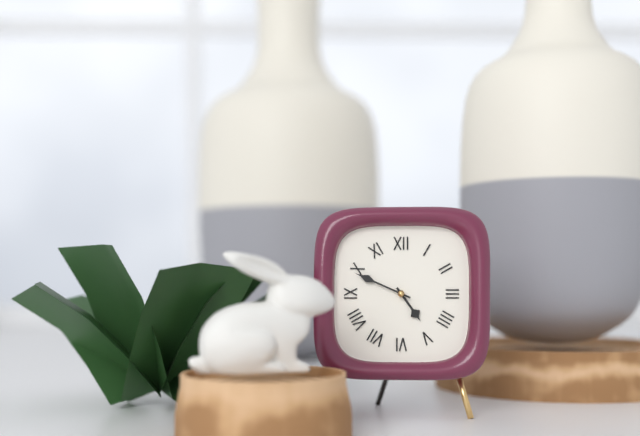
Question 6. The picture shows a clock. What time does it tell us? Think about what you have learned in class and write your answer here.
4:49
